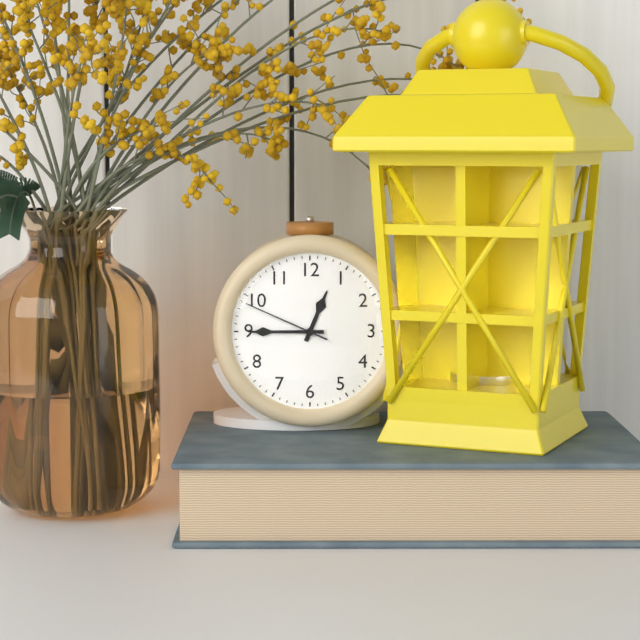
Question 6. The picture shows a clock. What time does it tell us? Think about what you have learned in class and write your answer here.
12:45:49
